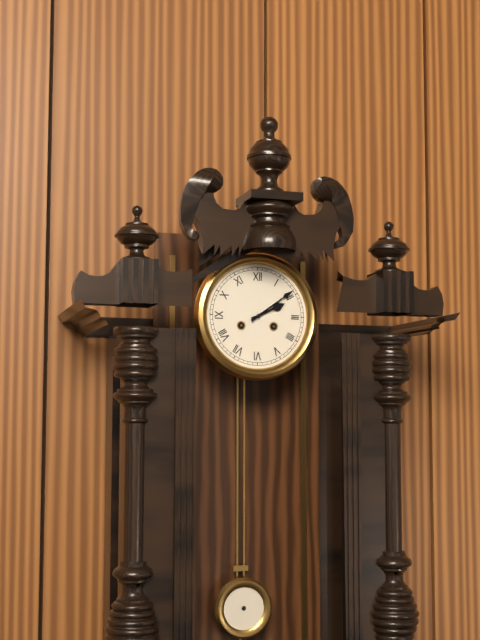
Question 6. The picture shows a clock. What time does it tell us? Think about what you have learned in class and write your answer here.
2:09
